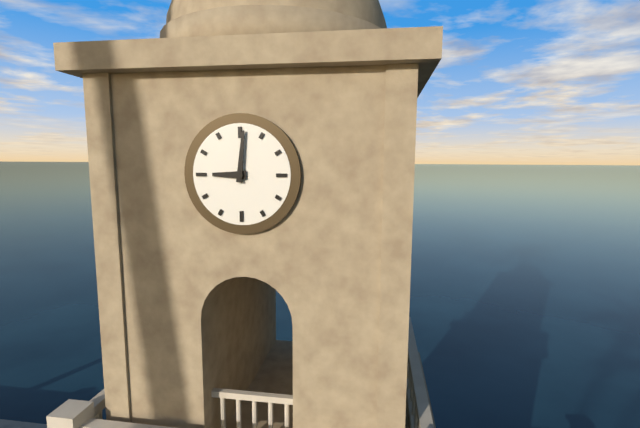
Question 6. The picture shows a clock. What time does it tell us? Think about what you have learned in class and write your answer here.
9:01
